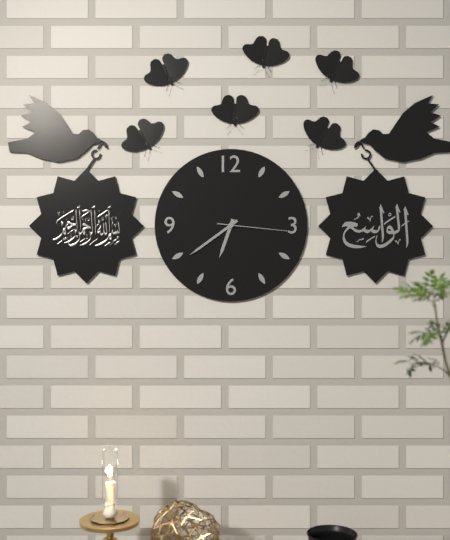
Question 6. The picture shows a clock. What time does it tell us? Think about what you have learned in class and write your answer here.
6:39:16
